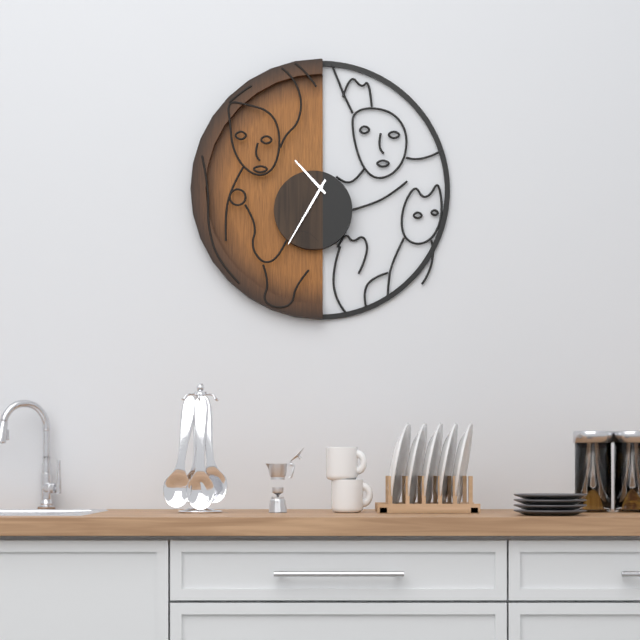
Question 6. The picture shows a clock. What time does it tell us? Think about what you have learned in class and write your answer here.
10:35
